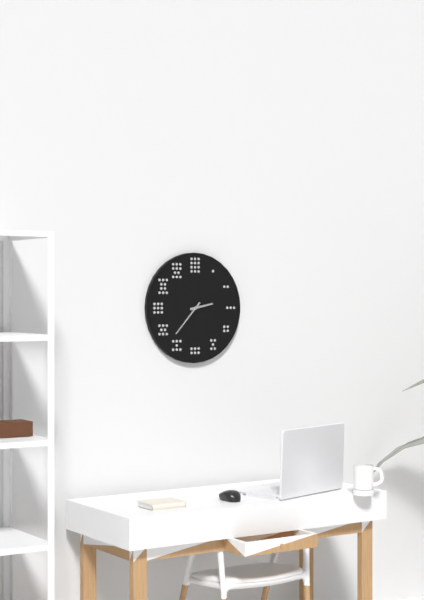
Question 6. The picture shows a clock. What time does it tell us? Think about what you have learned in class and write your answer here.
2:37
